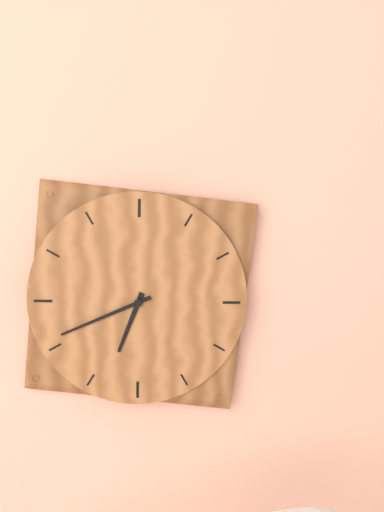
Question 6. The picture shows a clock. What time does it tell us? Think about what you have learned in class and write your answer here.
6:41
